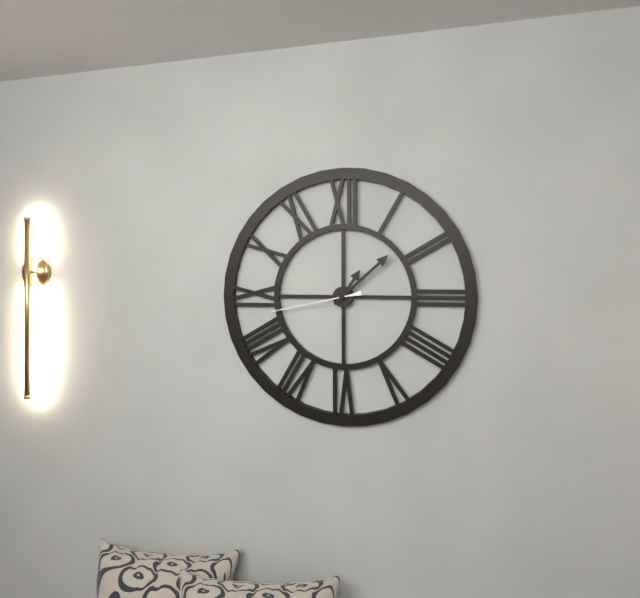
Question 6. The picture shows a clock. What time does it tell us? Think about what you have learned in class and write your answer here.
1:08:43
